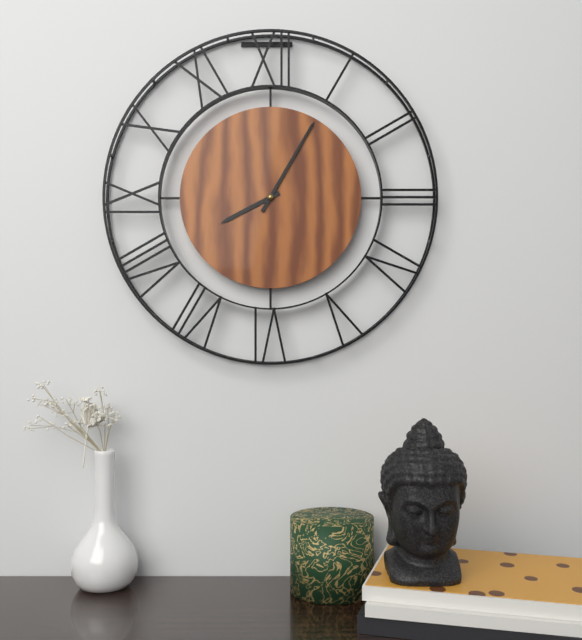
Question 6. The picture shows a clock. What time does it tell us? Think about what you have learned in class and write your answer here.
8:05
